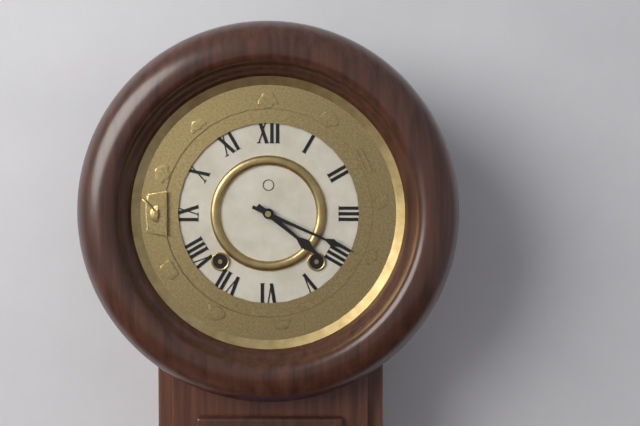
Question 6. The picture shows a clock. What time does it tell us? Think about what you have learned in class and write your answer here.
4:19
